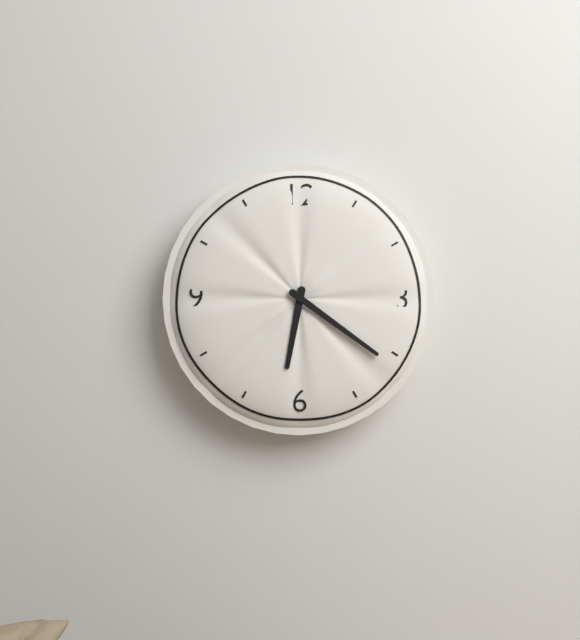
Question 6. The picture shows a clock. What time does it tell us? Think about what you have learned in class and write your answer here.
6:21
